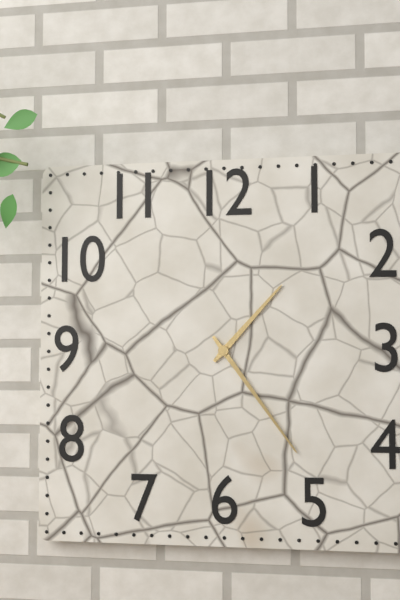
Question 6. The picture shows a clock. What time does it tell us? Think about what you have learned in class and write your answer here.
1:24
